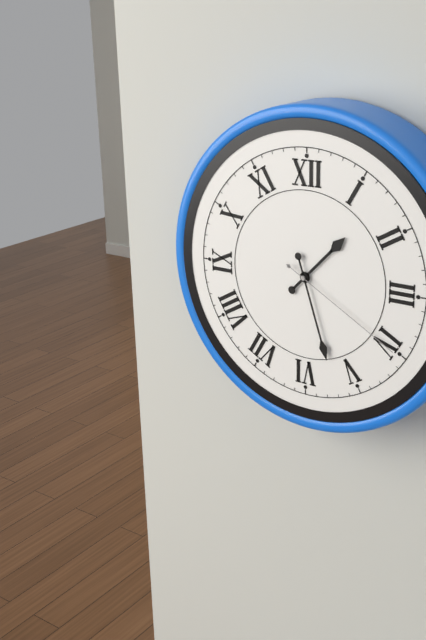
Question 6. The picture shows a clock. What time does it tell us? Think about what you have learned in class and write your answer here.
1:27:20
